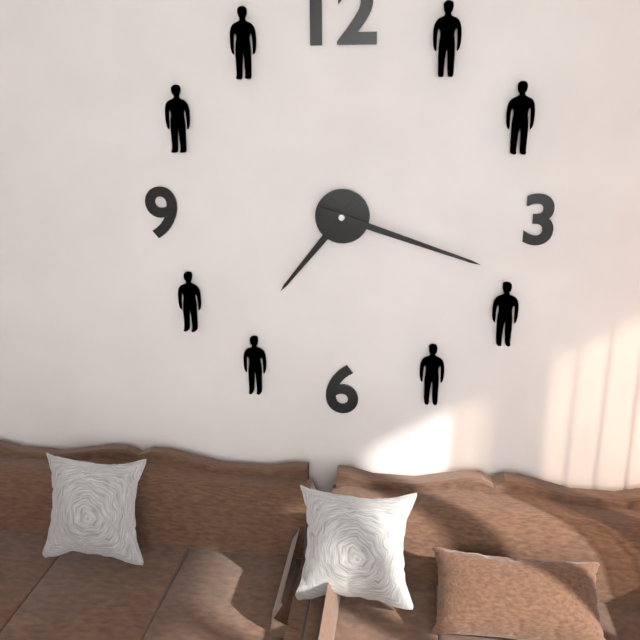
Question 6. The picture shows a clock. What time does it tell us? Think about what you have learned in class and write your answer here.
7:18
